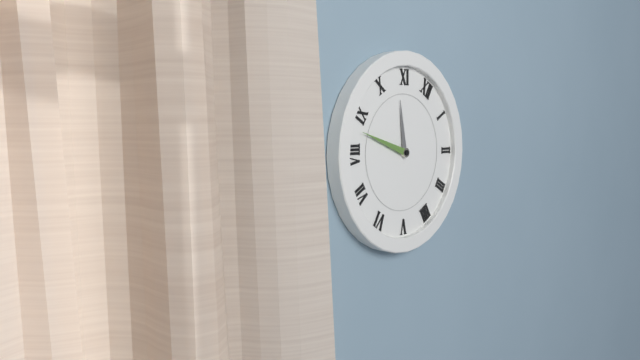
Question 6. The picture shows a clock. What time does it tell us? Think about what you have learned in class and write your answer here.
10:43
